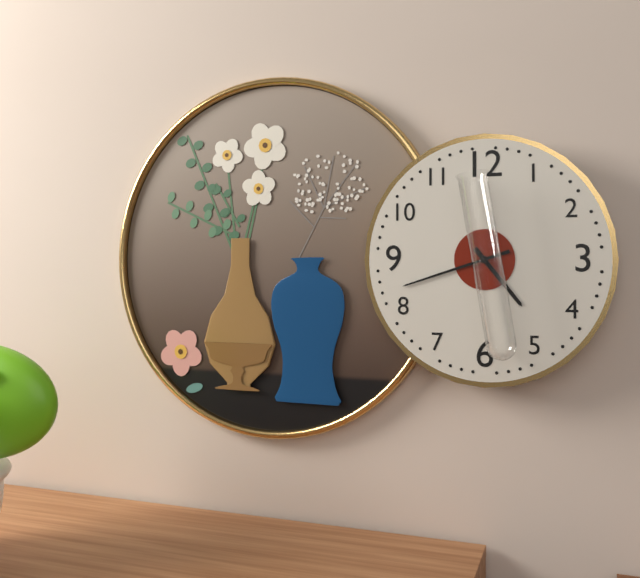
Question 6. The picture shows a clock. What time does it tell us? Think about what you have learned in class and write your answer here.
4:42
